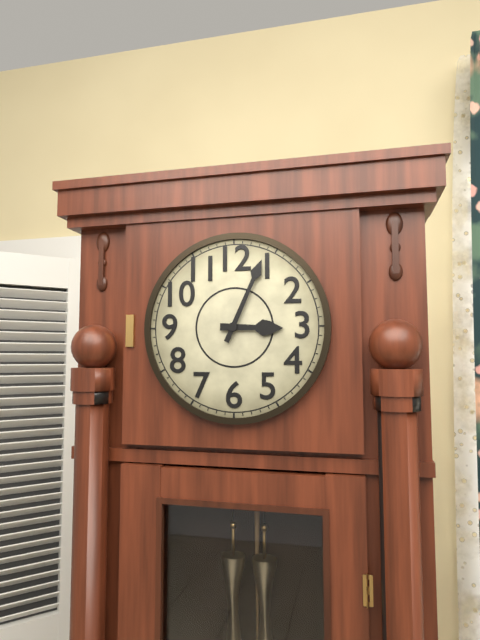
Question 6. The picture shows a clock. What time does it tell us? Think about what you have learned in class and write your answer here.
3:04
